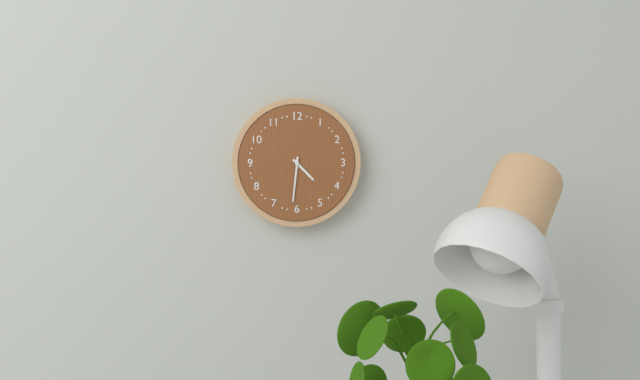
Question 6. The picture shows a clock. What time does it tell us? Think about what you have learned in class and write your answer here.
4:31
